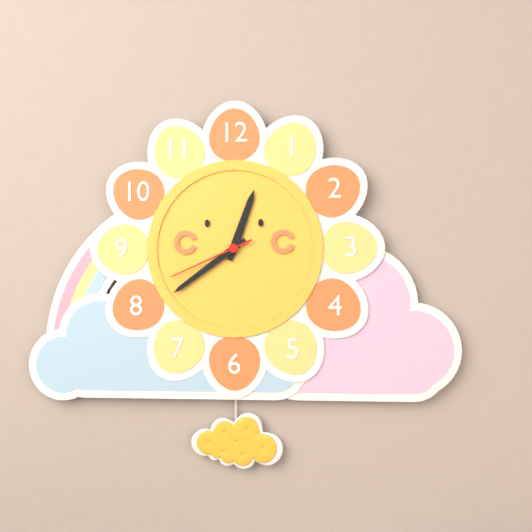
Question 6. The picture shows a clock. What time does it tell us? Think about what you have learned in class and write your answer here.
12:39:41
